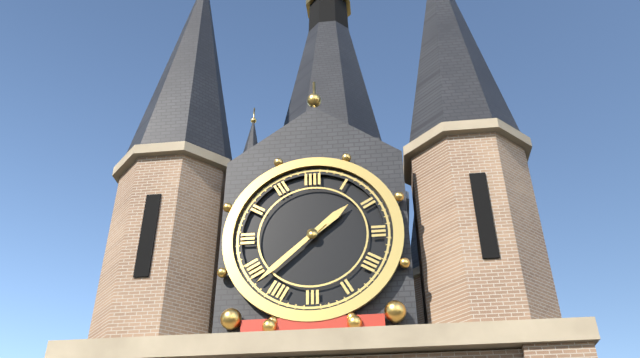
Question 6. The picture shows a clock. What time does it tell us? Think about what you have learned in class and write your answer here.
1:38
